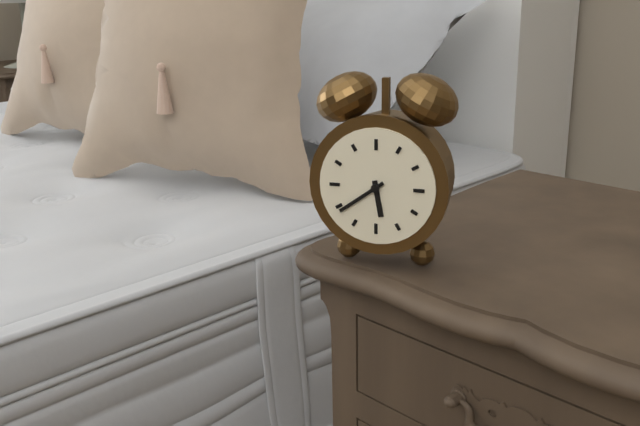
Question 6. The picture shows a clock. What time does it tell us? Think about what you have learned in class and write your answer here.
5:39
